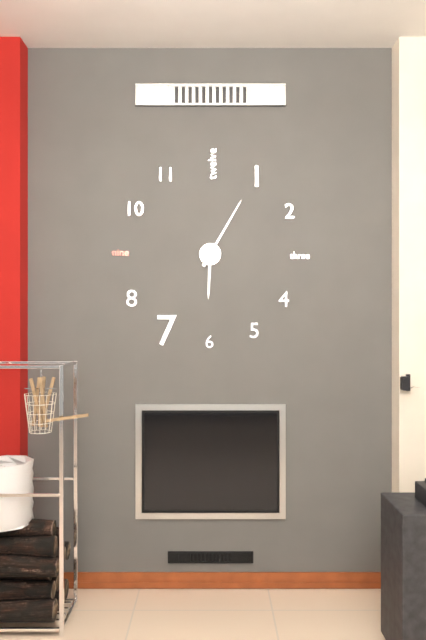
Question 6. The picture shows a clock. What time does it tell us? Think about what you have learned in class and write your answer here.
6:05
